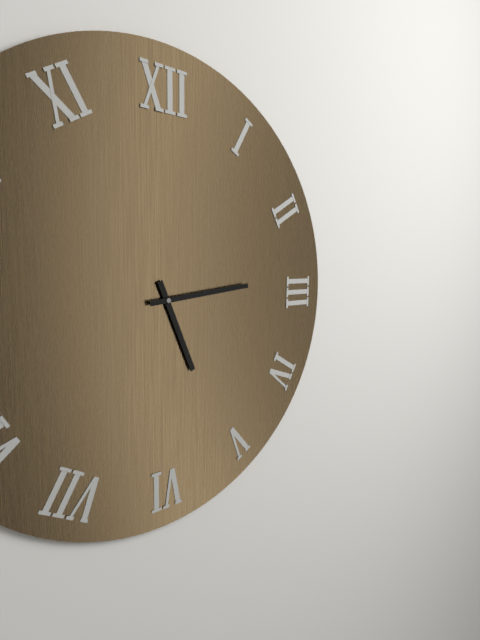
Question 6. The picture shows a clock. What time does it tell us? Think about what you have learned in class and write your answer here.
5:14
